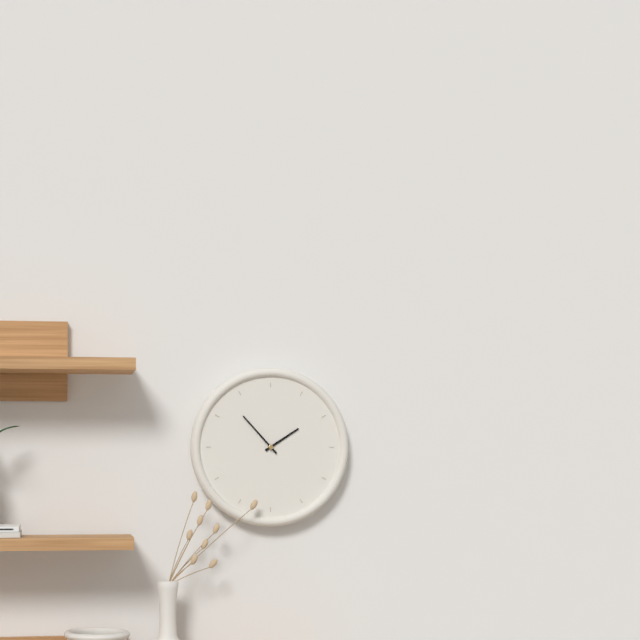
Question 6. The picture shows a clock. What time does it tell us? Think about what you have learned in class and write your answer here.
1:53
